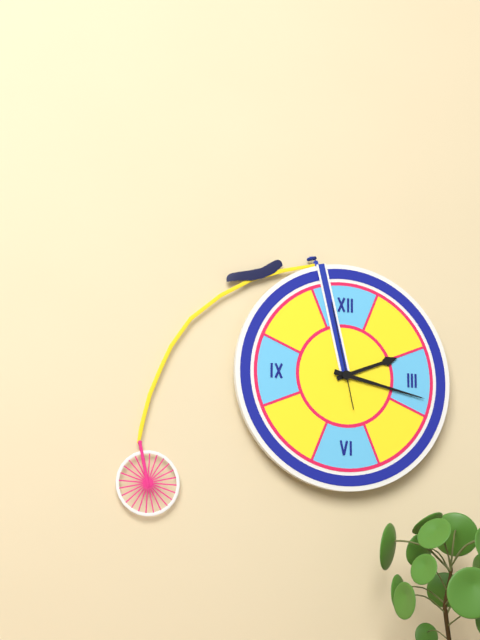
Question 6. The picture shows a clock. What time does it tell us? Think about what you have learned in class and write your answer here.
2:17:58
